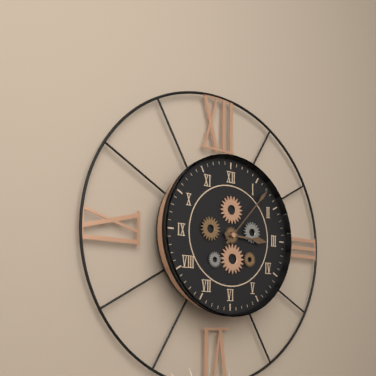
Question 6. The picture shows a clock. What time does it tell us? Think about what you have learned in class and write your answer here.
3:07
